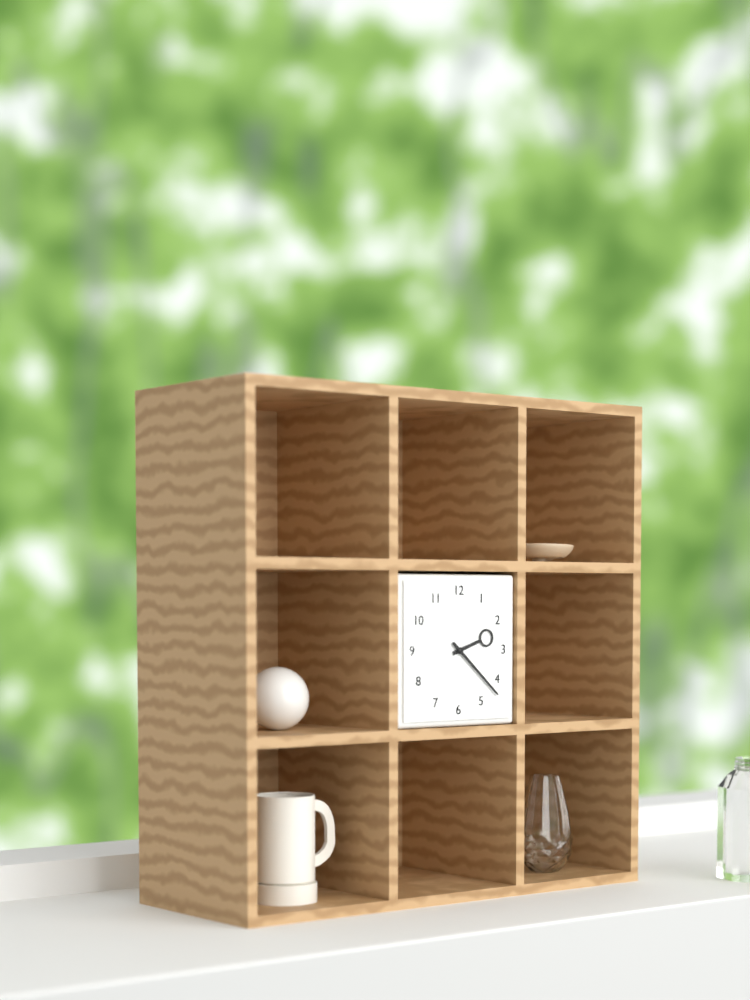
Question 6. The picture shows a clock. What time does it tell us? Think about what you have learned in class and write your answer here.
2:22
